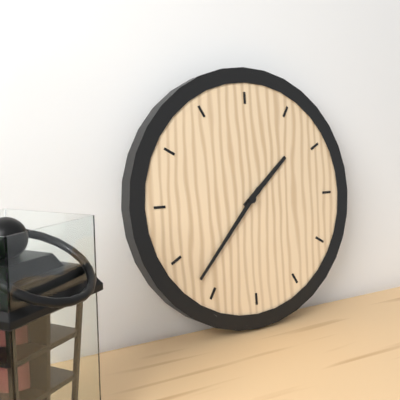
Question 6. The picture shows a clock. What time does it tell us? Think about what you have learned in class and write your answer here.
1:37
